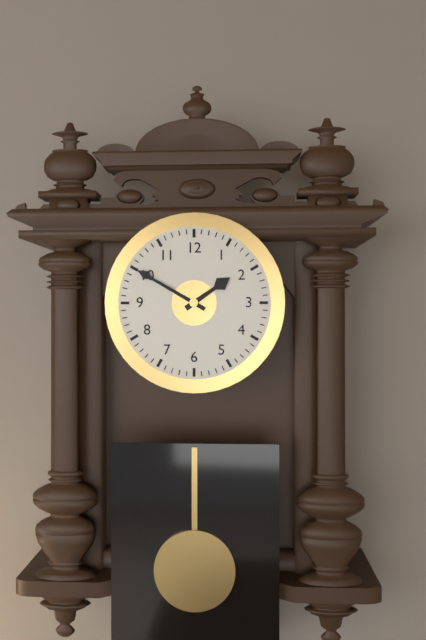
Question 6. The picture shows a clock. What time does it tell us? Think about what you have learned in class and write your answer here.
1:50
